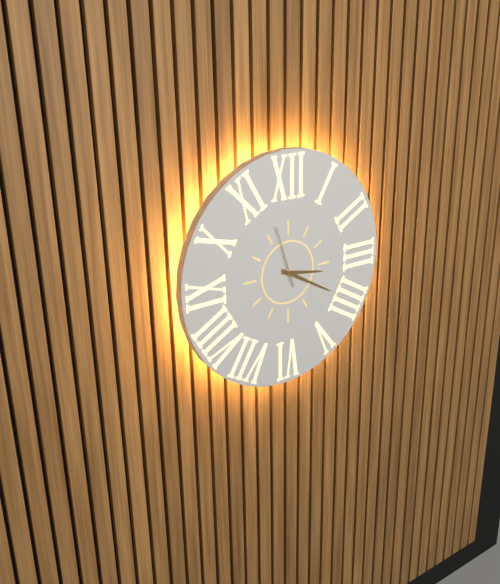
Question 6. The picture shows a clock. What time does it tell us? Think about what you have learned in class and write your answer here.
3:20:57
